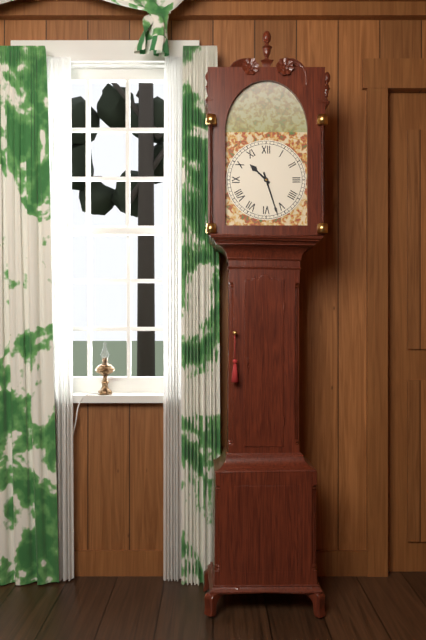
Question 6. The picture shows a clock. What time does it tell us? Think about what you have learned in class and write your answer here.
10:27
